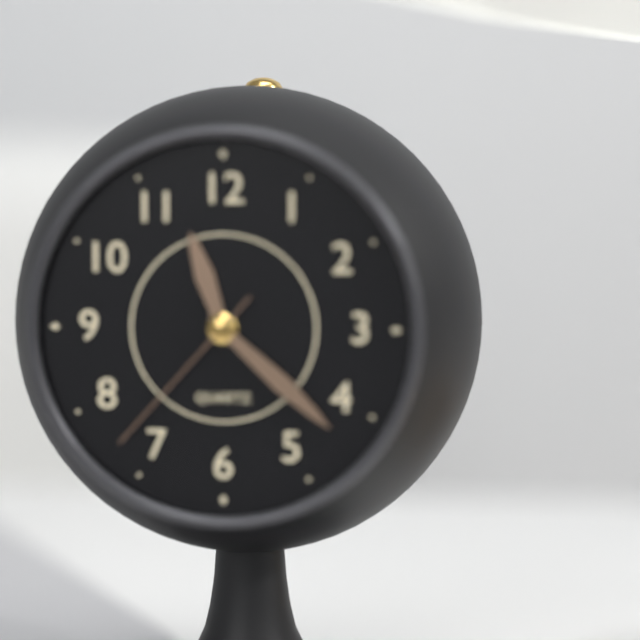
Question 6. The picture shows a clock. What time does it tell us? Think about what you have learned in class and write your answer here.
11:22:37
